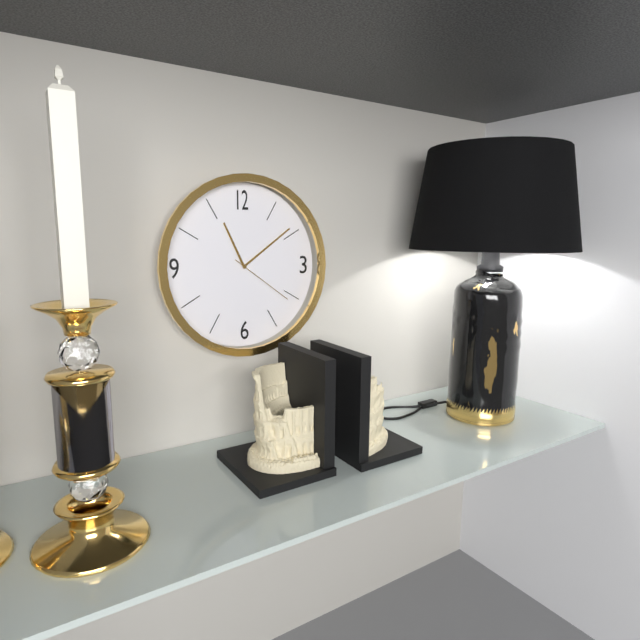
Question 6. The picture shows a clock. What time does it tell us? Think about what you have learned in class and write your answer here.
11:09:21
